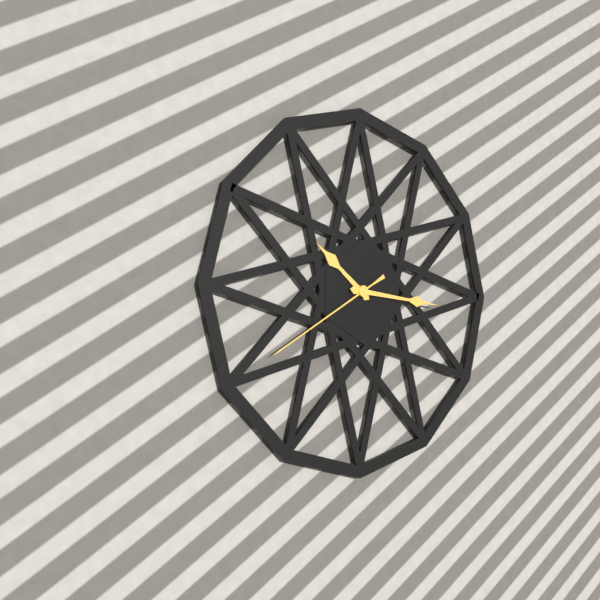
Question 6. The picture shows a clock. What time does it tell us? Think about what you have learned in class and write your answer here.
10:16:40
